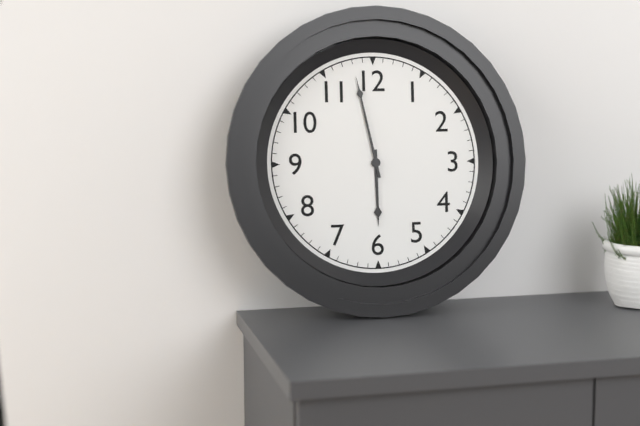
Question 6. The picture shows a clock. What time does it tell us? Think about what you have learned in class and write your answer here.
5:58
